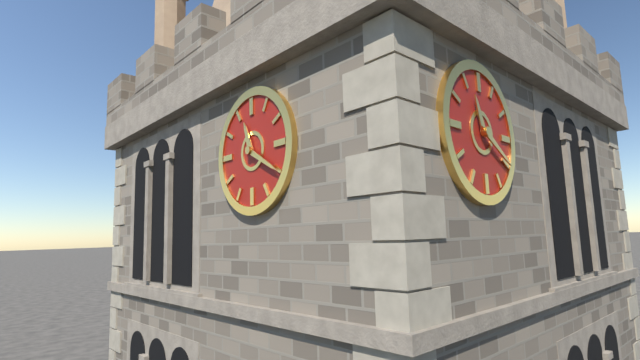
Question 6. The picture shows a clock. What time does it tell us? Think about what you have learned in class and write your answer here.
11:20
